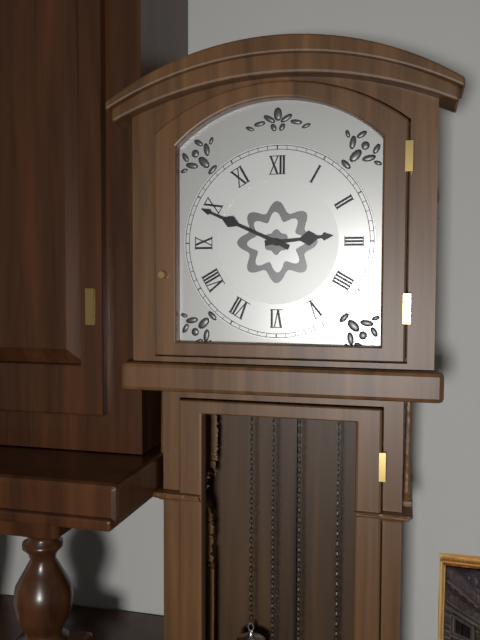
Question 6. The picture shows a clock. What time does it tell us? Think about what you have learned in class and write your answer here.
2:49
